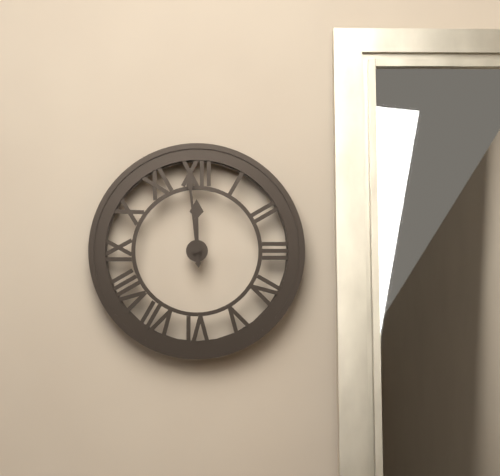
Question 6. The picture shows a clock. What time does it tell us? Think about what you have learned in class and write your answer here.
11:59
